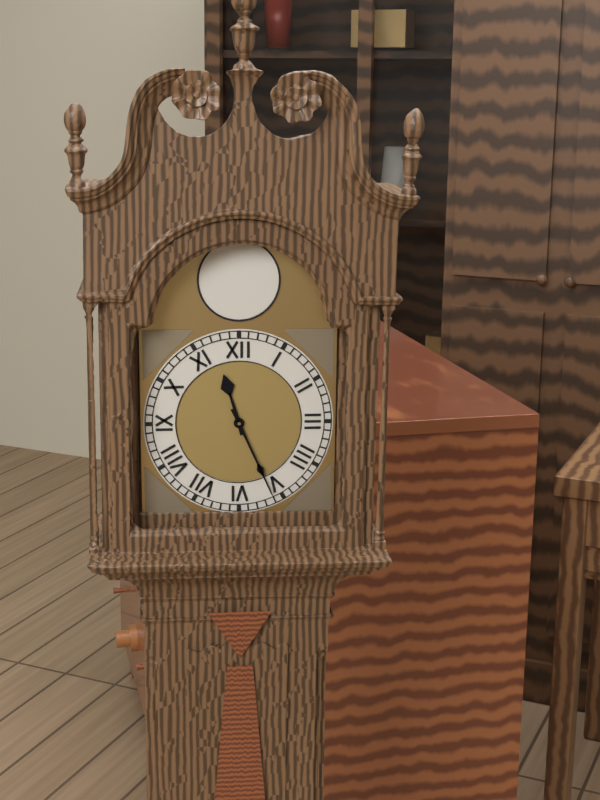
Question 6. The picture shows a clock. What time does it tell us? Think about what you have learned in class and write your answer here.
11:26
